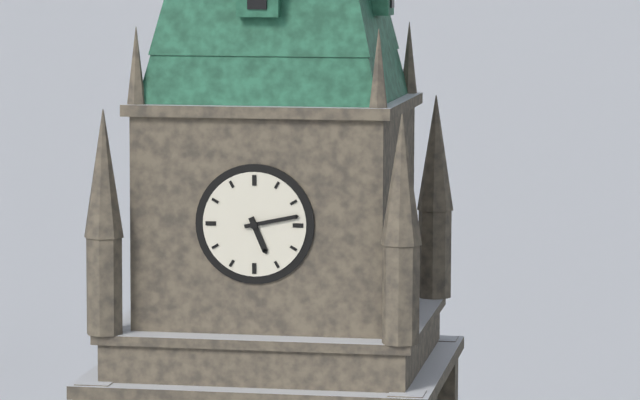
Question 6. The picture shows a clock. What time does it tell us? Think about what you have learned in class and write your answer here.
5:13
